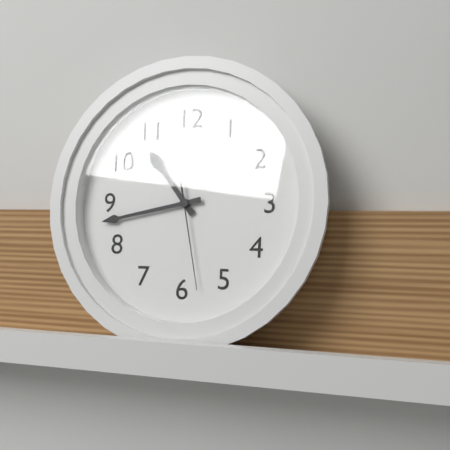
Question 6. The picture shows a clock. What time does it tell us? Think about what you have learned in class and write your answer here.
10:43:28
